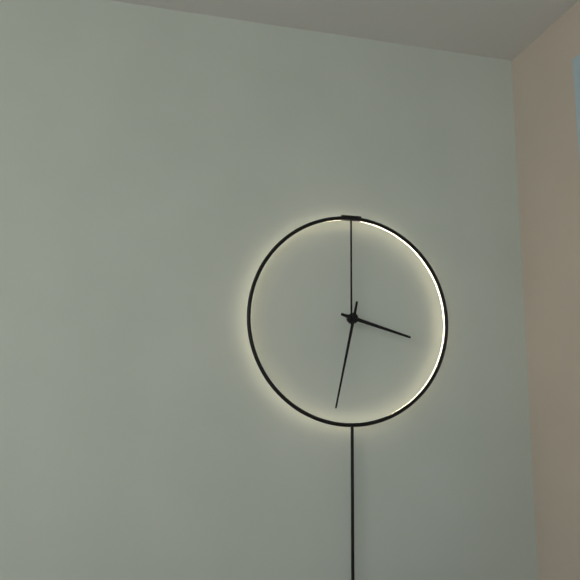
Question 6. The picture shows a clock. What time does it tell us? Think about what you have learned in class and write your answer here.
3:32
